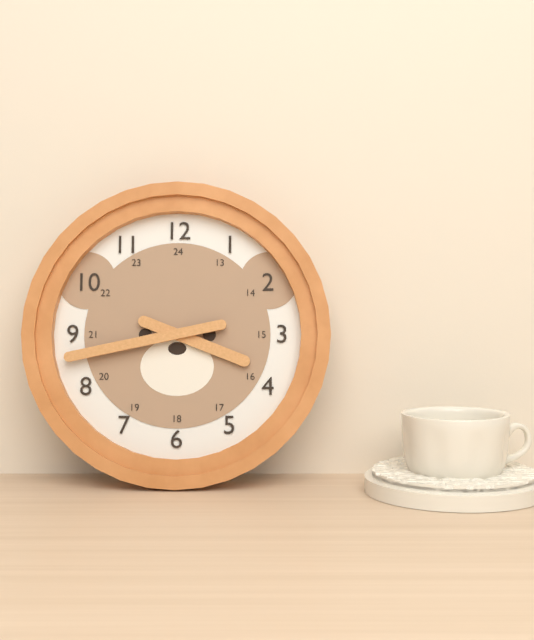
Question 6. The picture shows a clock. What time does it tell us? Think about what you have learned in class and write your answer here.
3:43
